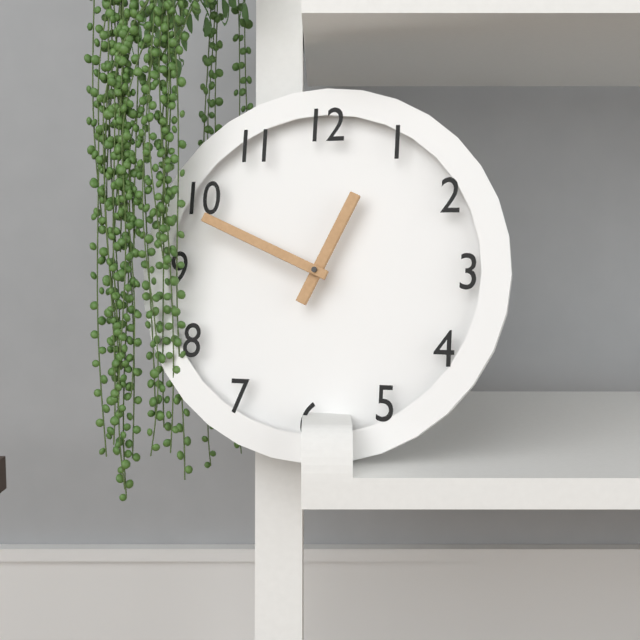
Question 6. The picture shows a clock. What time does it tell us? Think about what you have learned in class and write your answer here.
12:49
